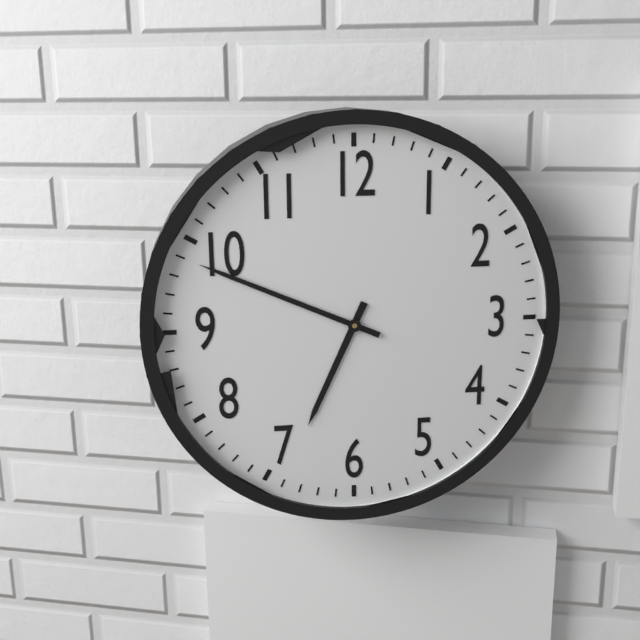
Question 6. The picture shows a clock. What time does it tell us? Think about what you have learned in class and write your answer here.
6:49
